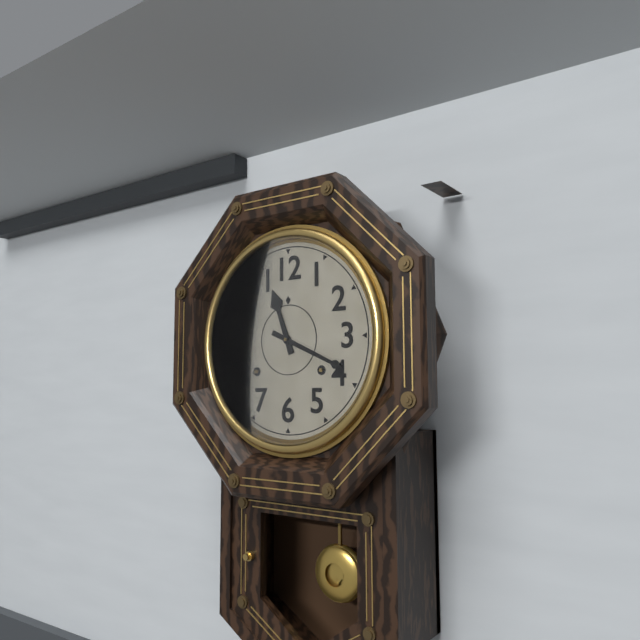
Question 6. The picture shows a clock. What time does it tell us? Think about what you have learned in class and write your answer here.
11:19
